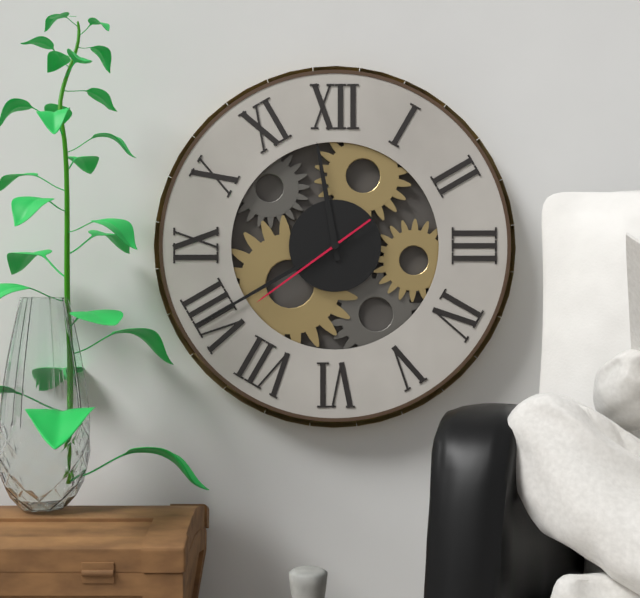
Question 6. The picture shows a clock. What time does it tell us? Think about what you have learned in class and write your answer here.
11:40:39
